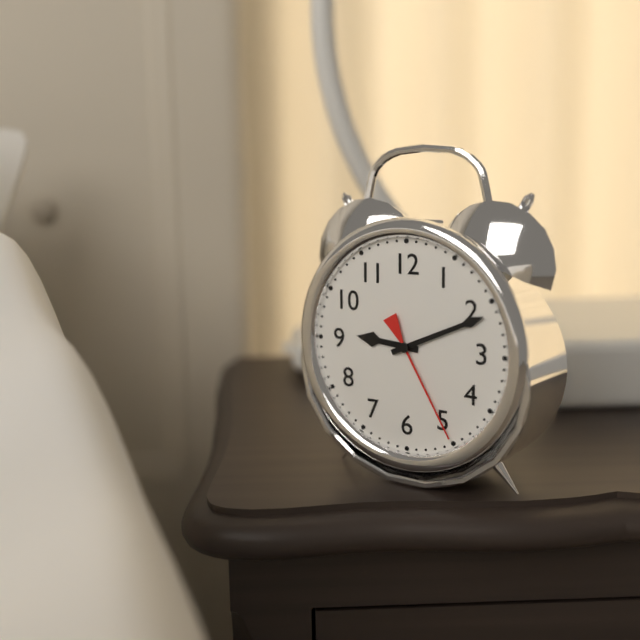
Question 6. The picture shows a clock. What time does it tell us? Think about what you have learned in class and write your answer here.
9:11:25
